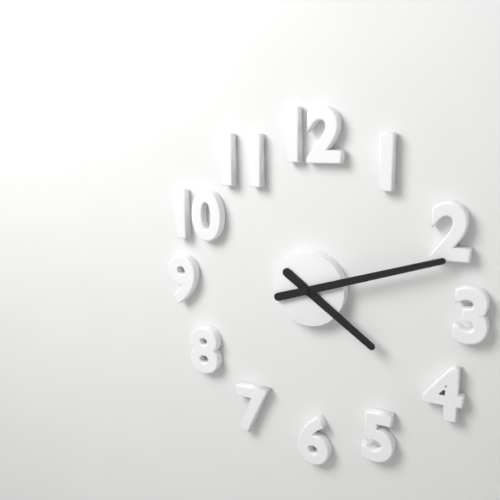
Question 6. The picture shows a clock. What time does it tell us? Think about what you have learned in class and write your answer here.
4:12
